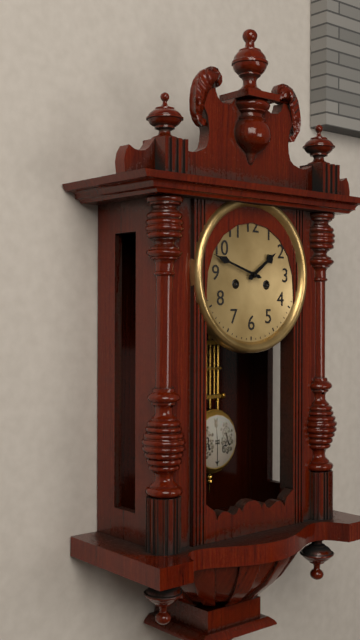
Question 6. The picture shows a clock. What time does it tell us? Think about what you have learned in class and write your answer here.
1:48
